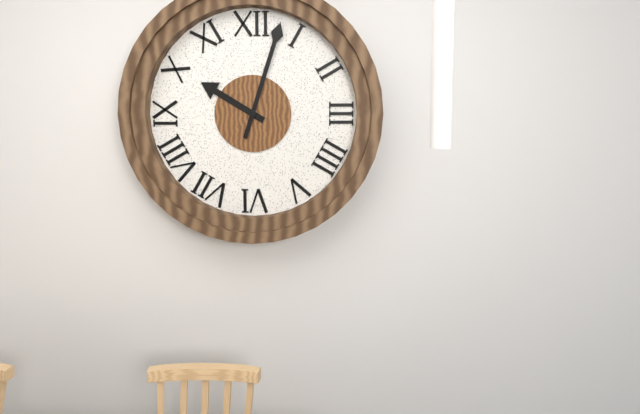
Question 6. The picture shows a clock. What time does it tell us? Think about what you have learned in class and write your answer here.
10:03
